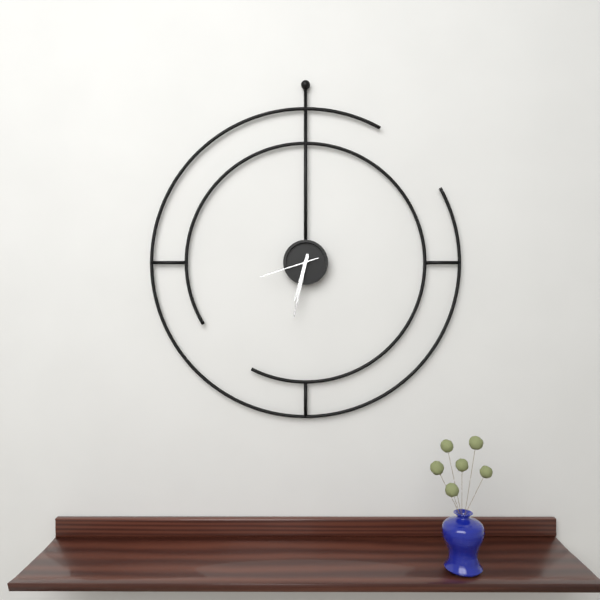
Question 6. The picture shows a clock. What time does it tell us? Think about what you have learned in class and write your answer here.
6:32:42
